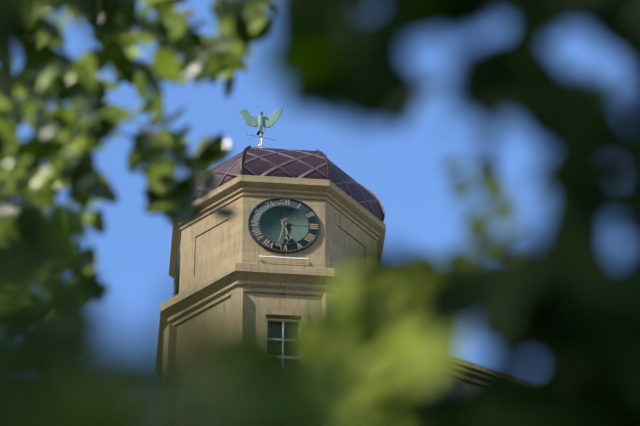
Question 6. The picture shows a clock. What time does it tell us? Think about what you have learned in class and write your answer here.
5:32
